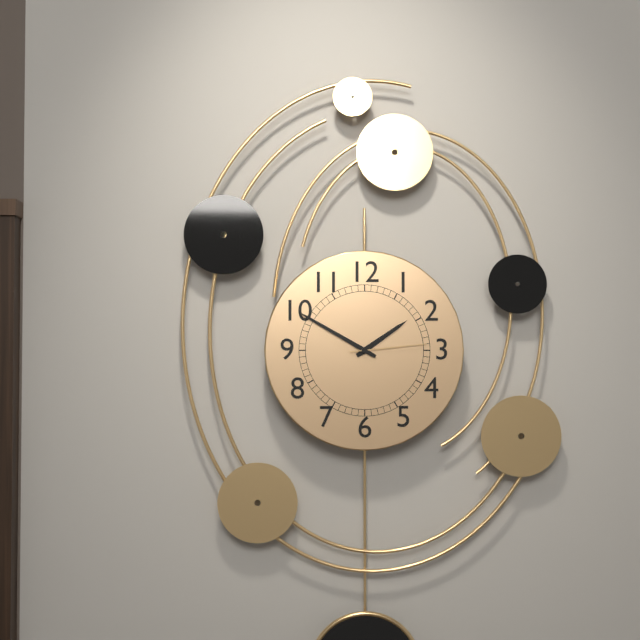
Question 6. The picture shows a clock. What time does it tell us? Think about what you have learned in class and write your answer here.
1:50:14
